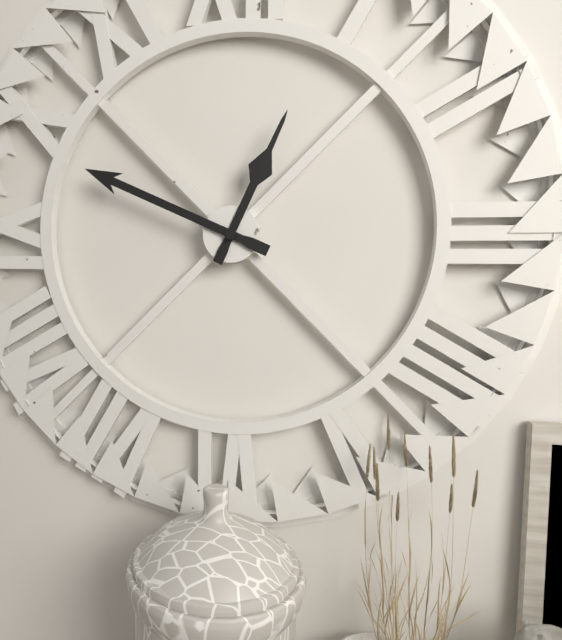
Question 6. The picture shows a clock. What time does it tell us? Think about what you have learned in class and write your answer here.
12:49
